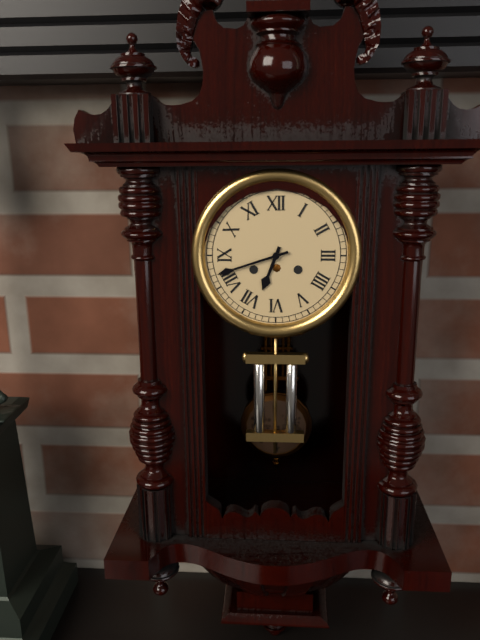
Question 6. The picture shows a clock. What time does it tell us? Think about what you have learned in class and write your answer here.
6:42
